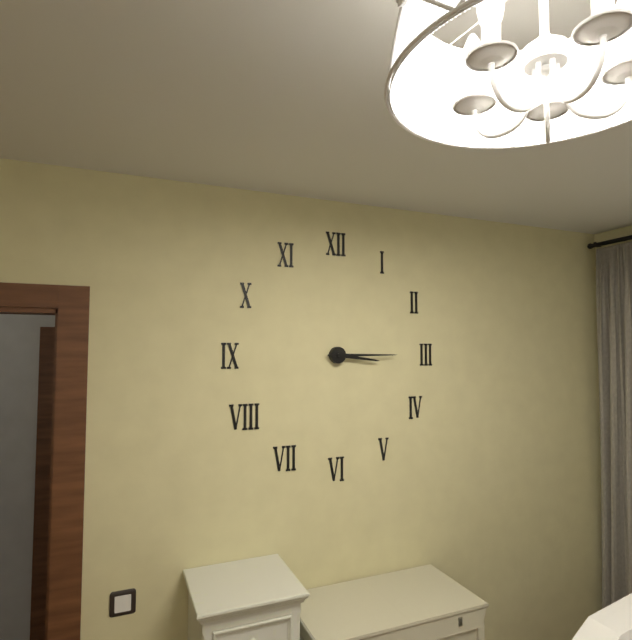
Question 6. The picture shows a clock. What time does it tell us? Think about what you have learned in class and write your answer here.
3:15
